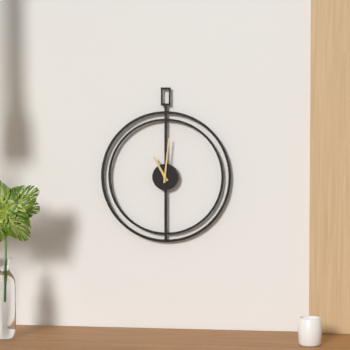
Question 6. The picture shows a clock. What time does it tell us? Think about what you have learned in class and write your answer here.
11:01
